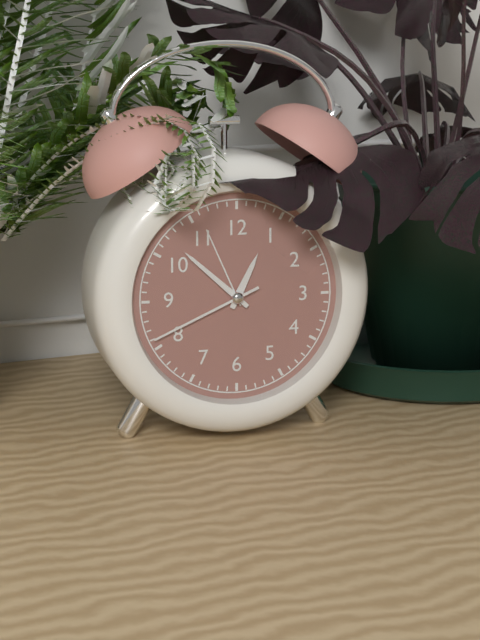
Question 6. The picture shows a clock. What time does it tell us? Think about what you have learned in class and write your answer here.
12:52:41
